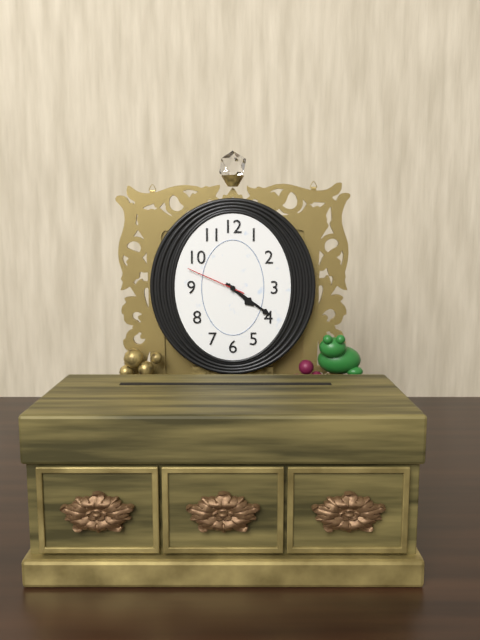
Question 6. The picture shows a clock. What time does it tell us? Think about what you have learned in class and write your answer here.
4:21:49
